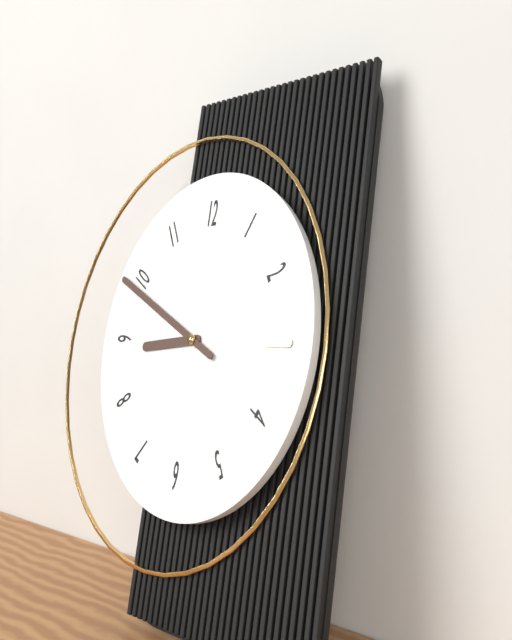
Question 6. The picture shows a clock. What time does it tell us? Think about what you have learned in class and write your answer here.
8:49
